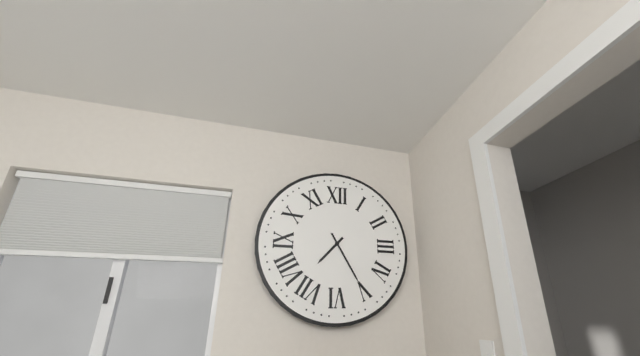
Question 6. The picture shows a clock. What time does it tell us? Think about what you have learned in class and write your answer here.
7:25
